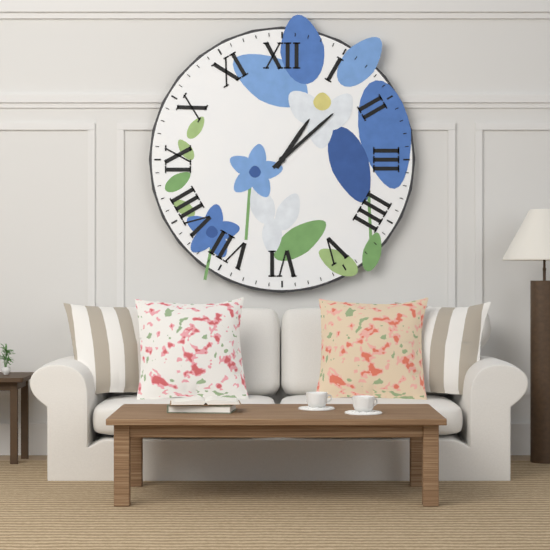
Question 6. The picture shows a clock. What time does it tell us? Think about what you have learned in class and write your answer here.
1:08
